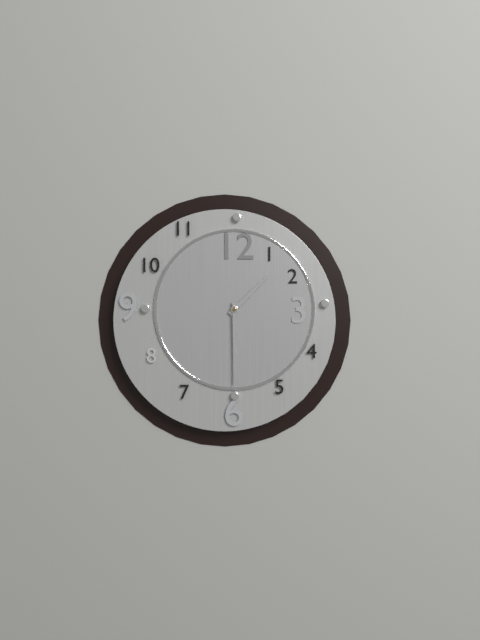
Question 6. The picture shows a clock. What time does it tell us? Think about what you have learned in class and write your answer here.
1:30
